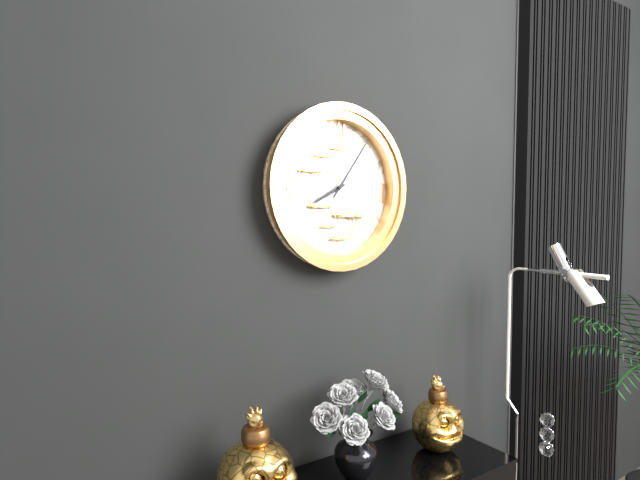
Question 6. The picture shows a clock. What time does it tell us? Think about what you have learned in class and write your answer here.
8:06
